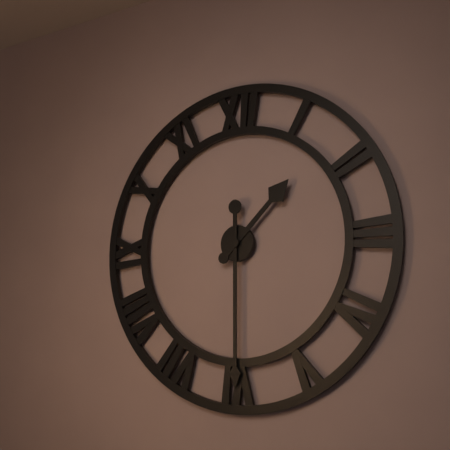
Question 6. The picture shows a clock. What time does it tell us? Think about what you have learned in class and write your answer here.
1:30
